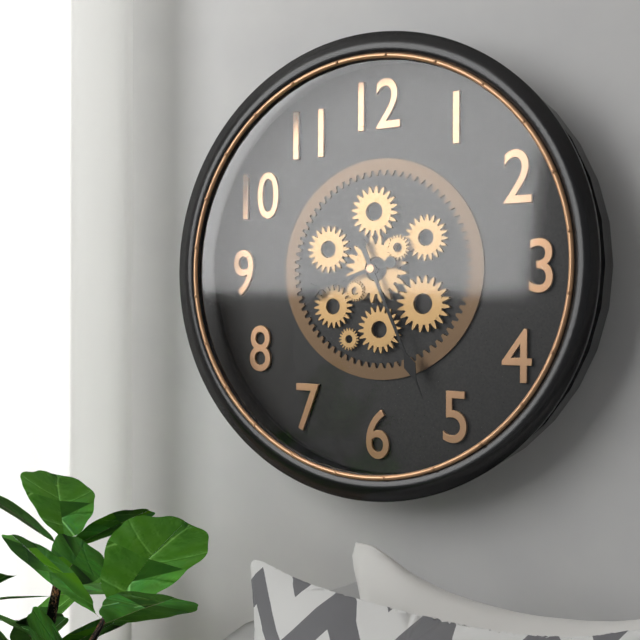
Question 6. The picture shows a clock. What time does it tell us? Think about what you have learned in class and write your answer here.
8:26
